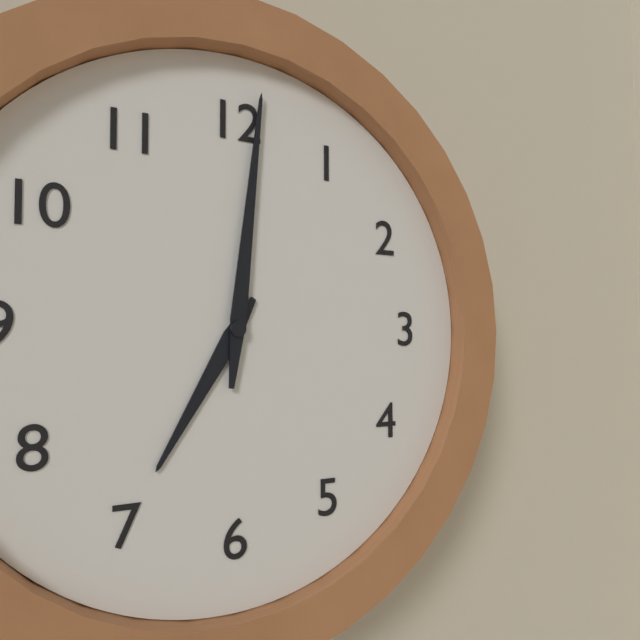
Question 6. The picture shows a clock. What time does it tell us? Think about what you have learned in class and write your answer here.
7:01
